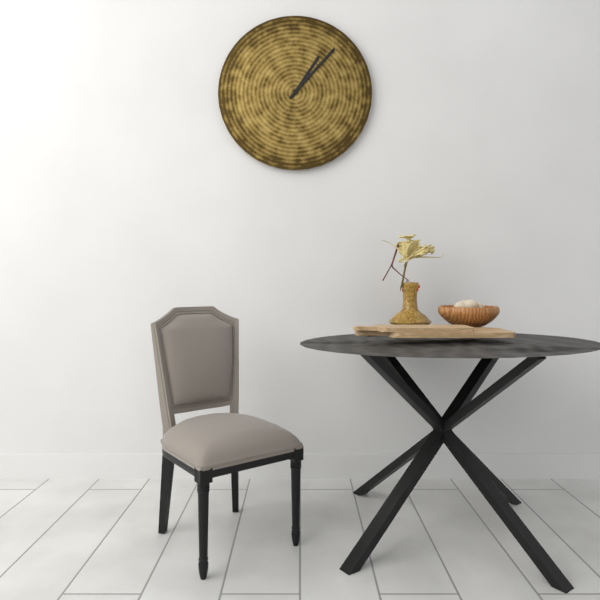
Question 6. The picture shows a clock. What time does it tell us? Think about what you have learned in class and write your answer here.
1:07
